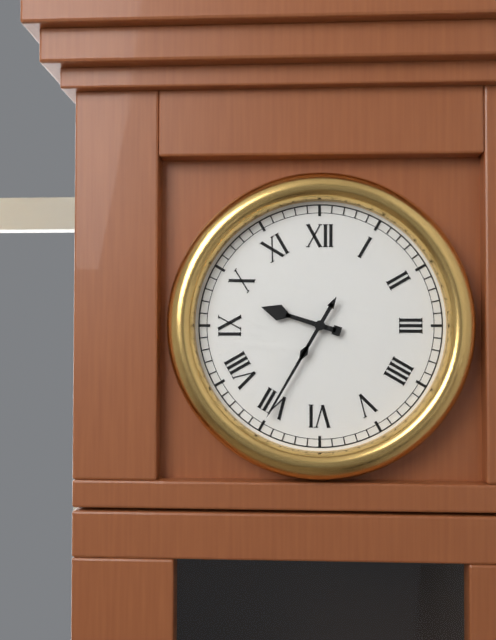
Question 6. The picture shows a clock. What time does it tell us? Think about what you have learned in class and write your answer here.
9:35
